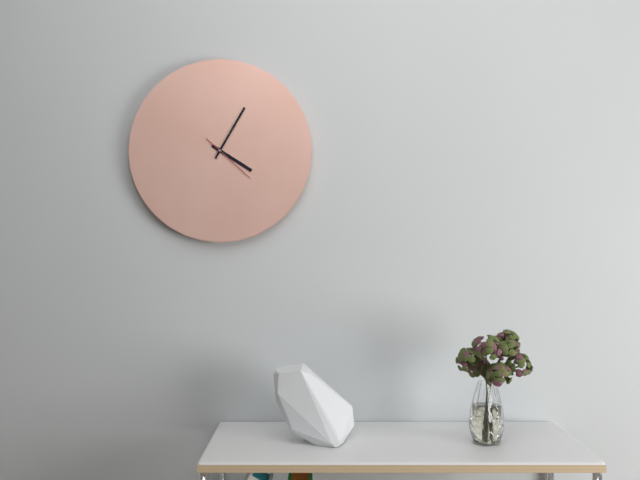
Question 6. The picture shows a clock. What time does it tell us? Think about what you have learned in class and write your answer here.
4:05:22
